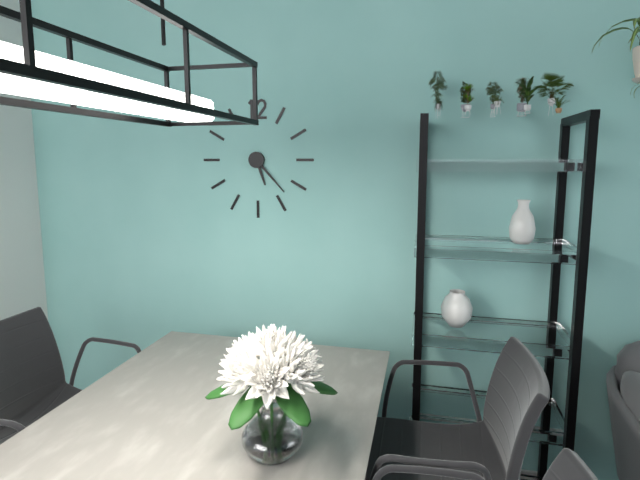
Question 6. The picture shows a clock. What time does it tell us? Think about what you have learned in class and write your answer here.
5:23
